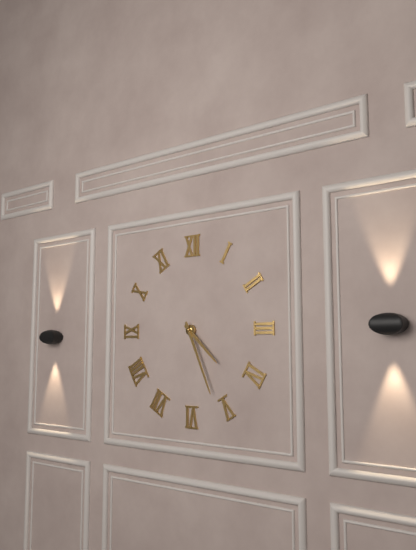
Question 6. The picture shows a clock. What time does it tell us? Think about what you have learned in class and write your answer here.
4:26
